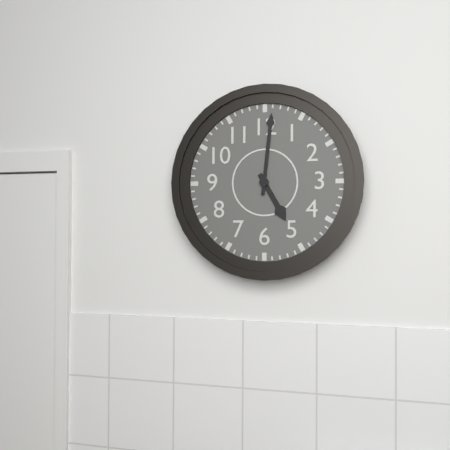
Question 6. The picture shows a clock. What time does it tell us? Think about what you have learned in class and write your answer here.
5:01
